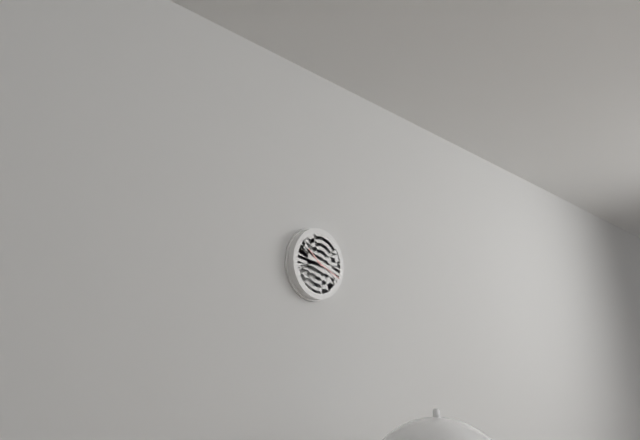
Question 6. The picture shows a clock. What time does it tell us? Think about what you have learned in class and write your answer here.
10:19
